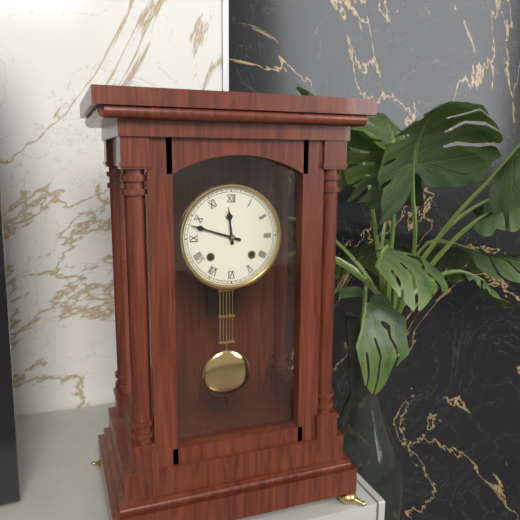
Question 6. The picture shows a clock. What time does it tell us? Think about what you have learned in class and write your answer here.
11:48
